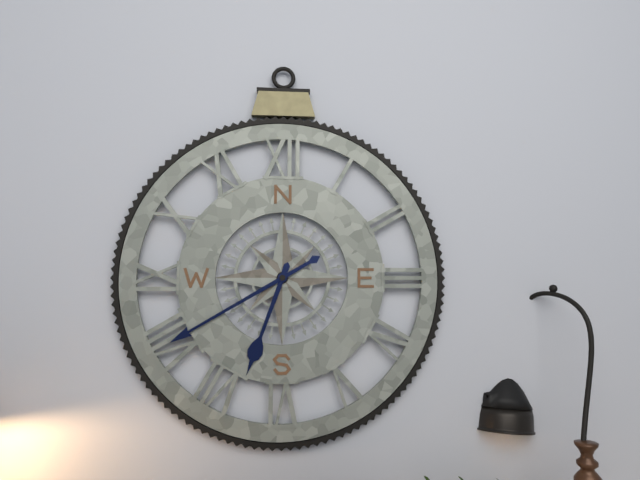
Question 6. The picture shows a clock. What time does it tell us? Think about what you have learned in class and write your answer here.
6:40
